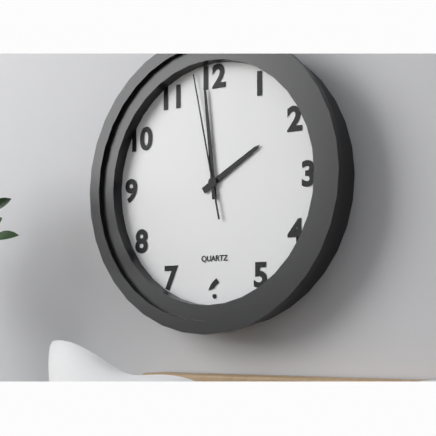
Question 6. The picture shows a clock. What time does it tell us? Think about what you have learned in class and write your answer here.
1:59:58
